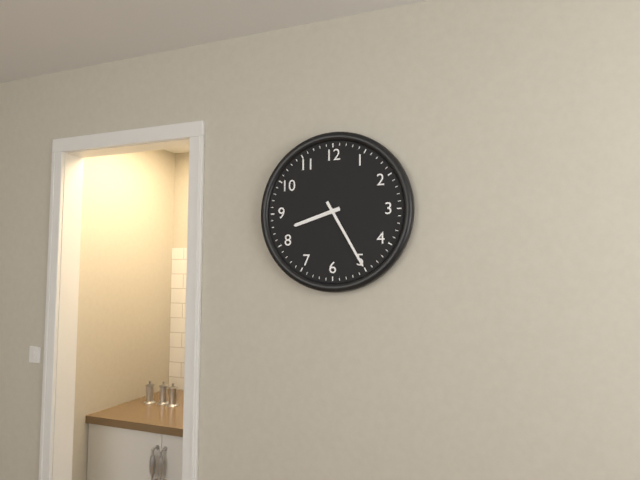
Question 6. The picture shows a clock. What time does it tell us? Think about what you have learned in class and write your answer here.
8:25
